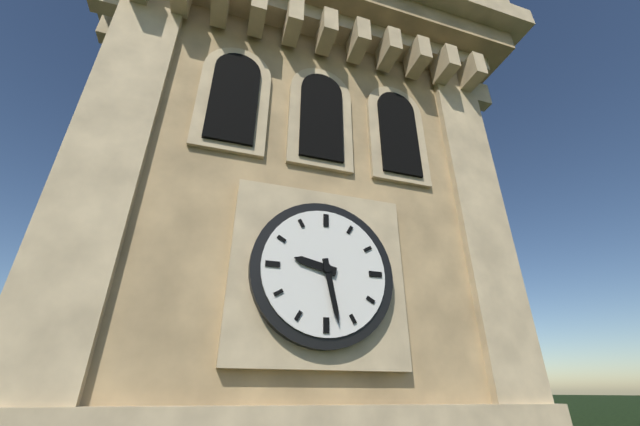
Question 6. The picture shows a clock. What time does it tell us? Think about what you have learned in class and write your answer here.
9:28
